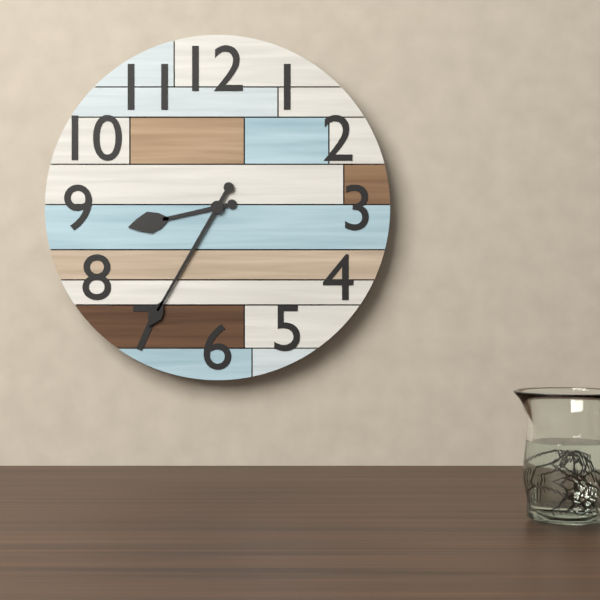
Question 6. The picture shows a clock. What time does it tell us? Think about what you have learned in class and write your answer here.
8:35
